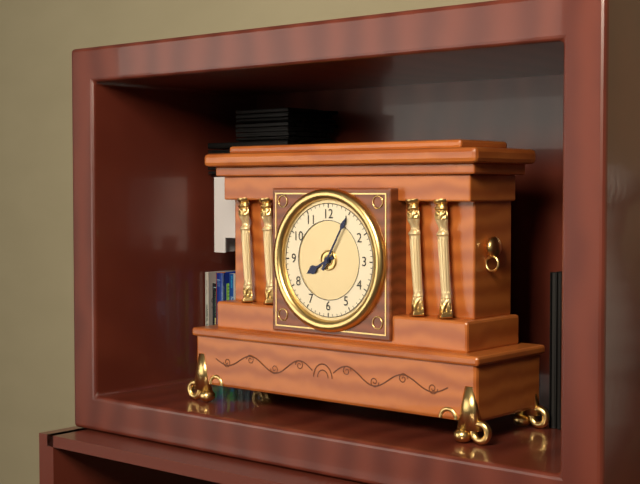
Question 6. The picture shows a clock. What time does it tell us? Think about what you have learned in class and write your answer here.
8:05
